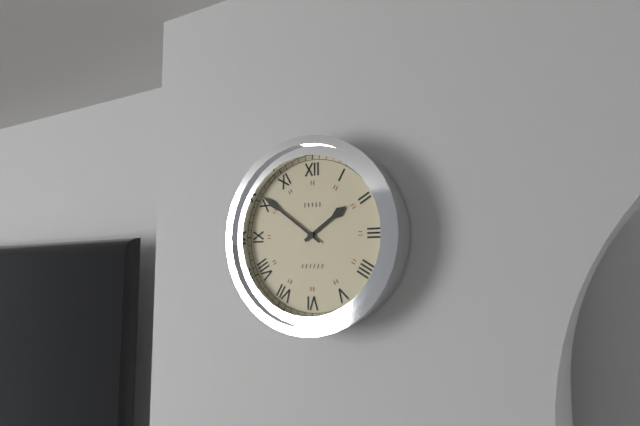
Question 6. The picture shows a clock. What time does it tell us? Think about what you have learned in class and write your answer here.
1:51
